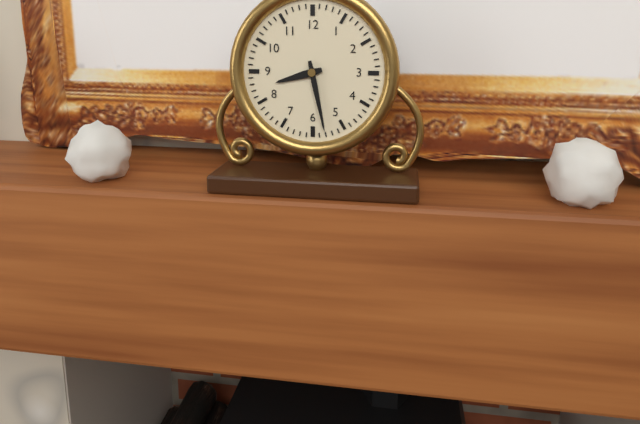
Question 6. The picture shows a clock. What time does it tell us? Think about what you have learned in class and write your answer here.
8:28
